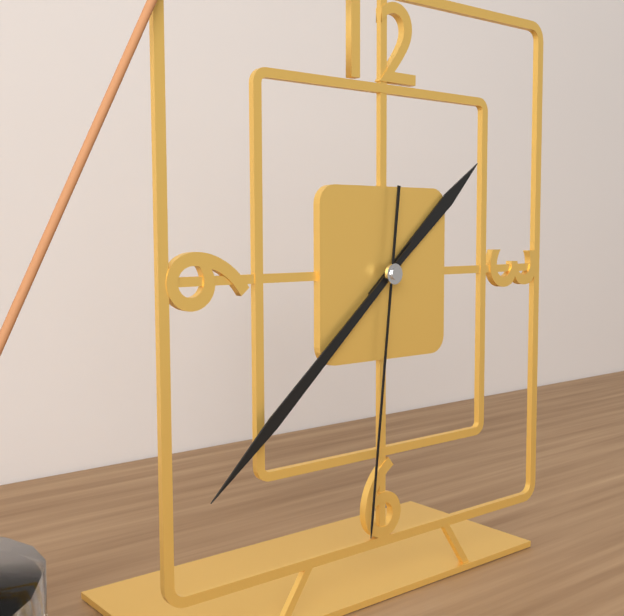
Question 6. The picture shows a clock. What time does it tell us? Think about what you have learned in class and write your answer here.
1:38:31
